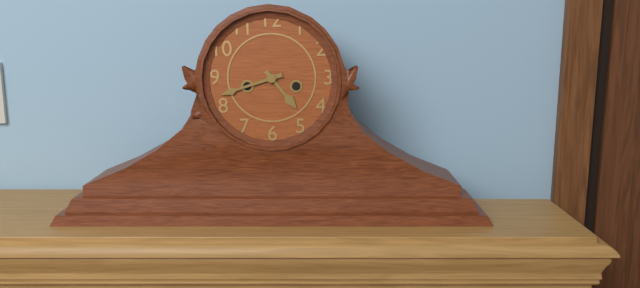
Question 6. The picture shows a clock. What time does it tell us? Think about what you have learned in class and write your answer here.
4:42
